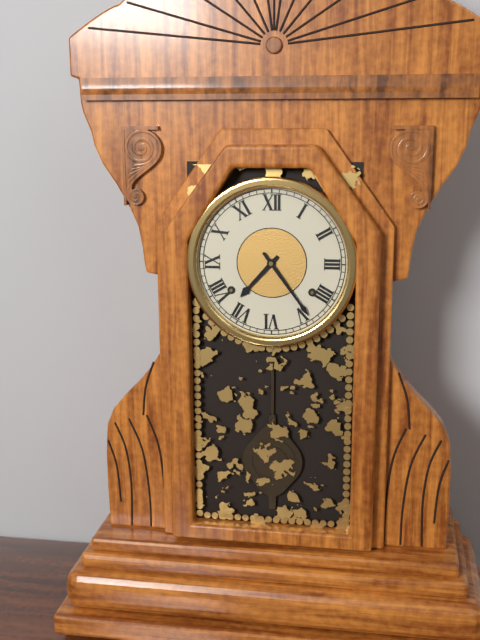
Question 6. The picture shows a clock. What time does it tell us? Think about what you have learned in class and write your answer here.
7:24
